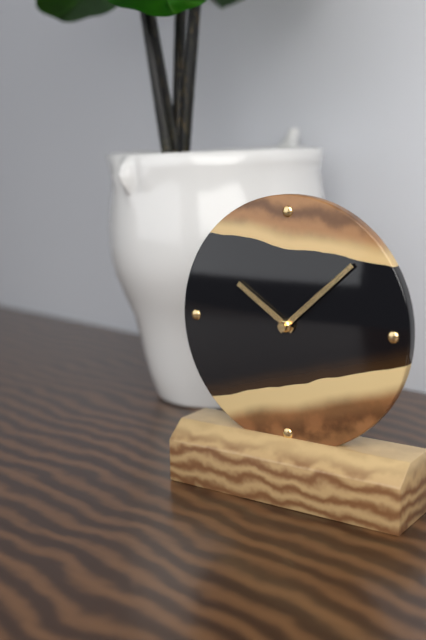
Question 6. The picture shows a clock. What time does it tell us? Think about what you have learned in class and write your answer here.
10:08
